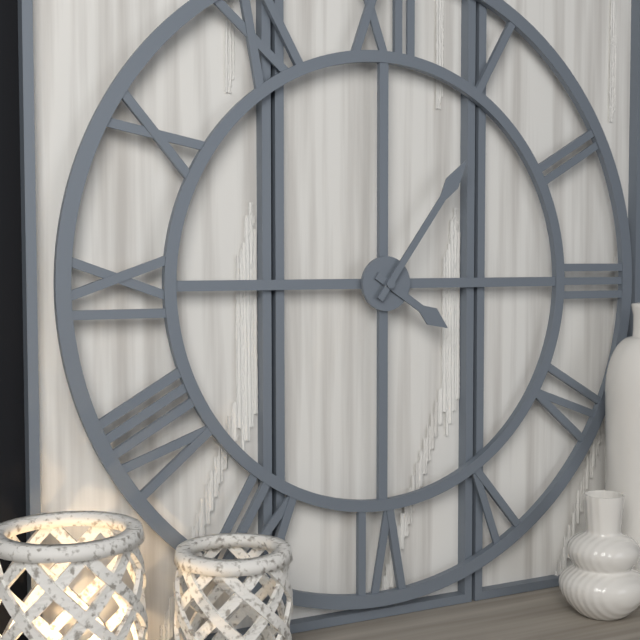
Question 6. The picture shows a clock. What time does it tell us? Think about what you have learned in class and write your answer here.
4:06
